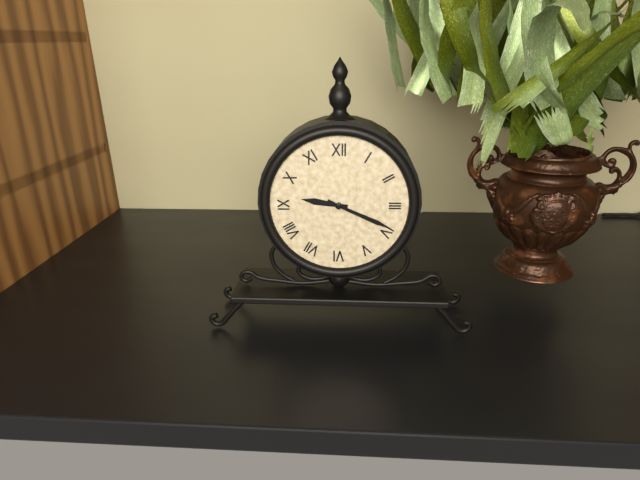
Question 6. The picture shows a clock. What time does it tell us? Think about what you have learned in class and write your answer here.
9:19
